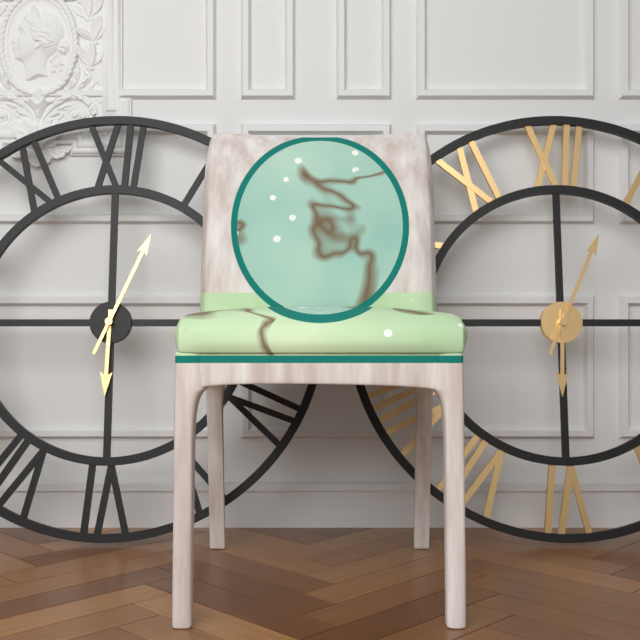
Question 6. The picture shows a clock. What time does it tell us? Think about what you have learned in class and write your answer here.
6:04
